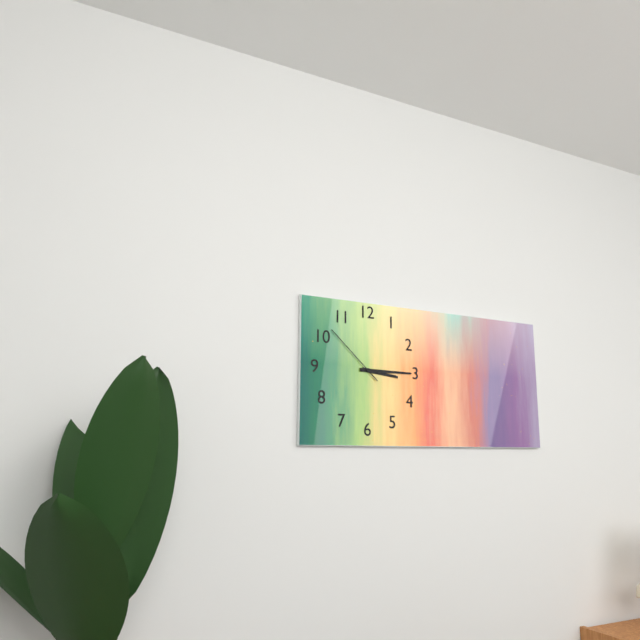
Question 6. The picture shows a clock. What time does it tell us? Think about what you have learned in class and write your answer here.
3:15:52
